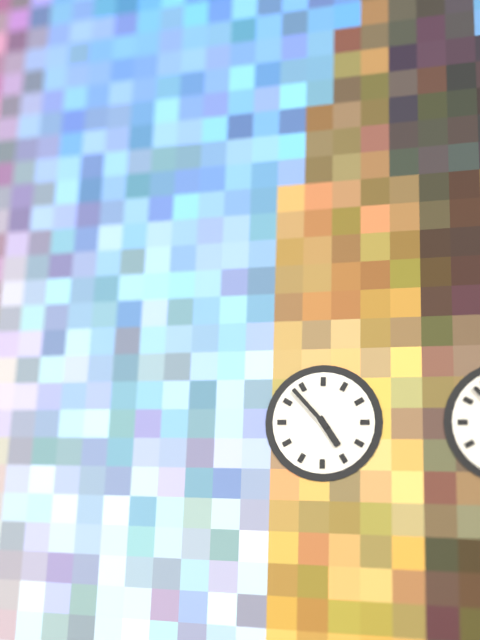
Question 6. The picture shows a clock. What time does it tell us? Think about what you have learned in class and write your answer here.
4:53
